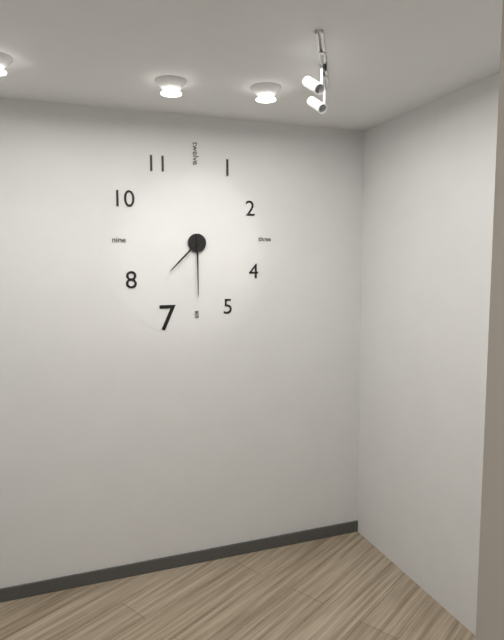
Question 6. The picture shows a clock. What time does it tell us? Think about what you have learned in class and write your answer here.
7:30
